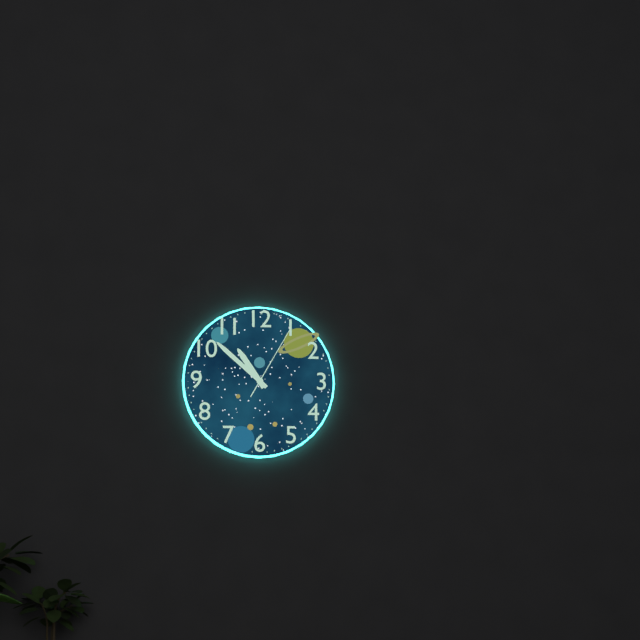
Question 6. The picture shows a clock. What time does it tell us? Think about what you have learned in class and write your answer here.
10:52:05
